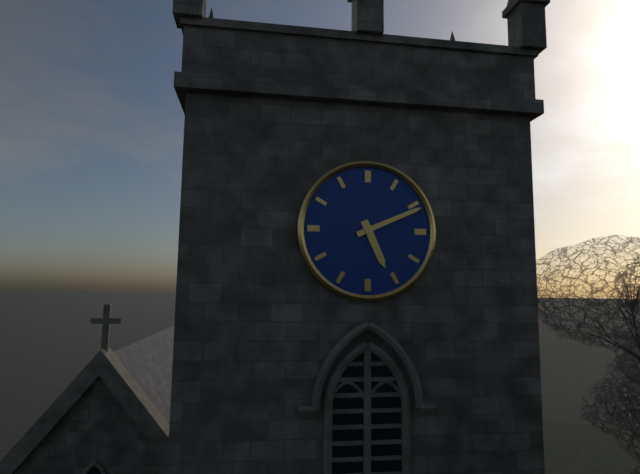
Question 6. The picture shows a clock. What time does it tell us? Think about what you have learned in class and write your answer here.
5:11
